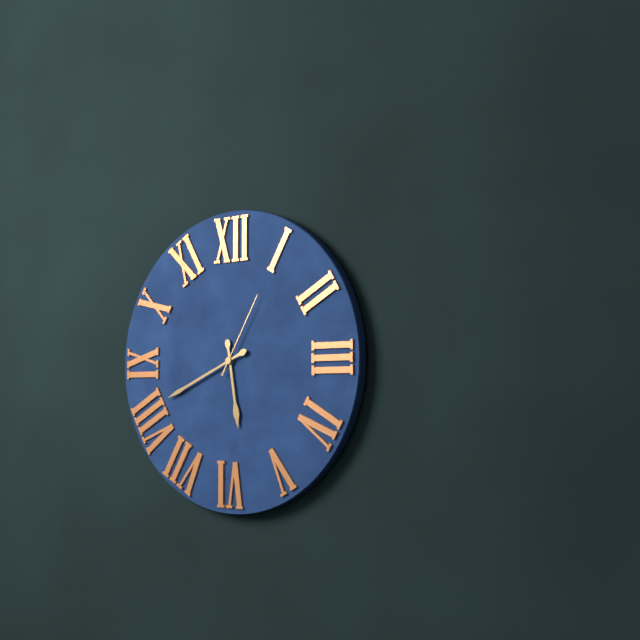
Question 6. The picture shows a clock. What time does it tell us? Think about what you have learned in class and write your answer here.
5:41:05
